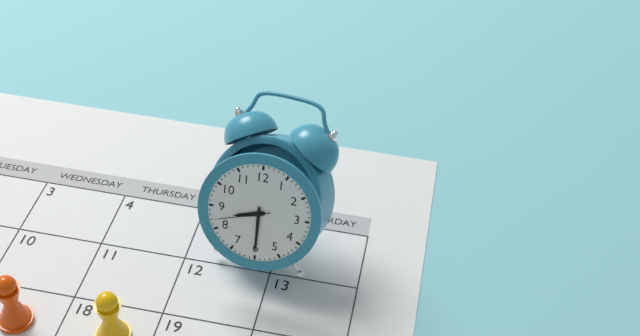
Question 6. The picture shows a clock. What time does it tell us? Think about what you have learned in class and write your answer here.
8:30:42
